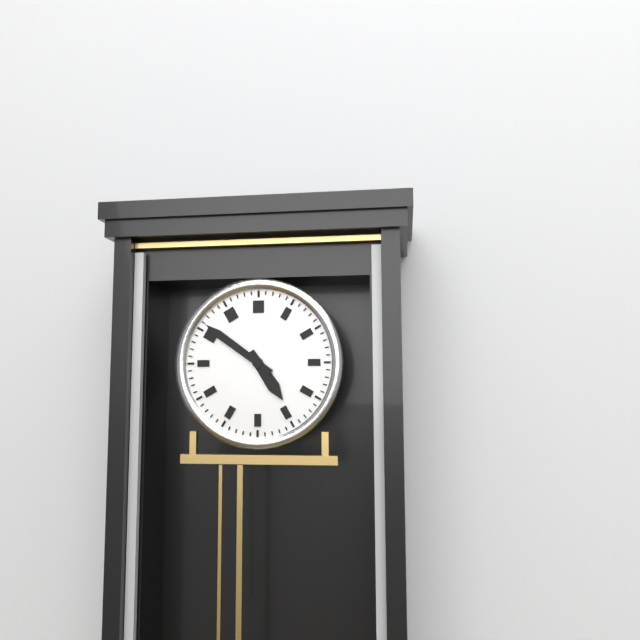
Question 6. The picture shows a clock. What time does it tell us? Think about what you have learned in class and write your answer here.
4:51
